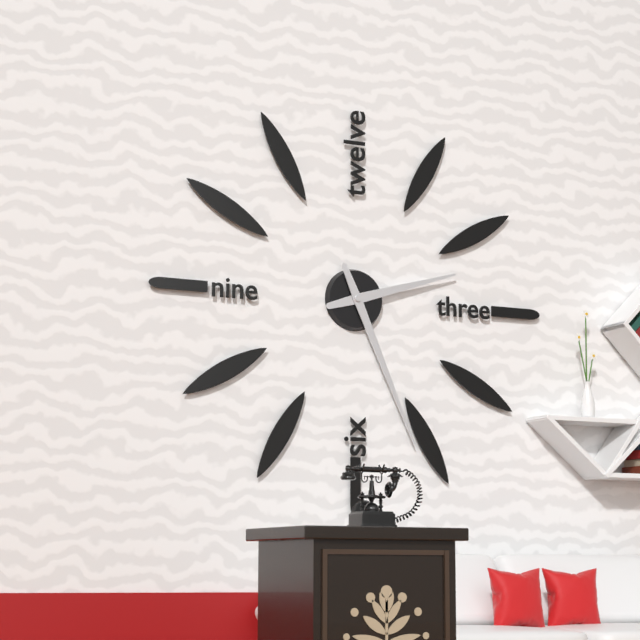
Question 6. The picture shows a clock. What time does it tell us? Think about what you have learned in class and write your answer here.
2:26
